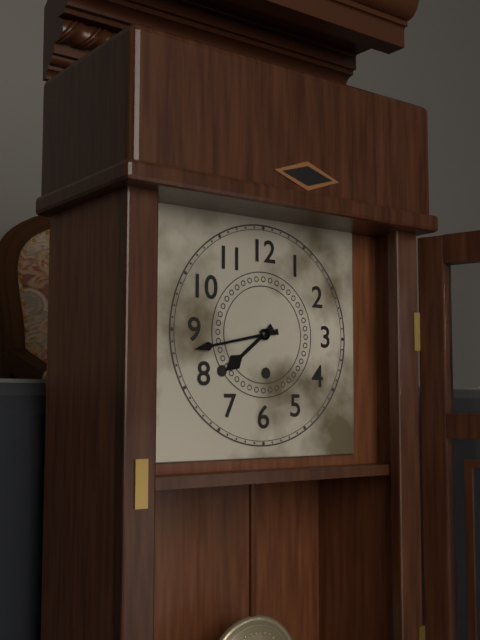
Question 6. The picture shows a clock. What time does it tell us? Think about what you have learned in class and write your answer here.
7:43
